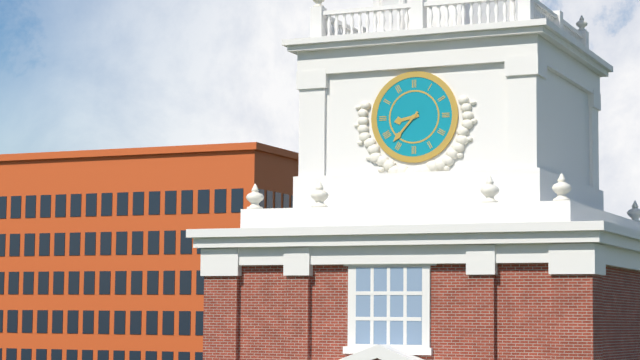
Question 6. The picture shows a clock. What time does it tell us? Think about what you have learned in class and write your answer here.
8:37
